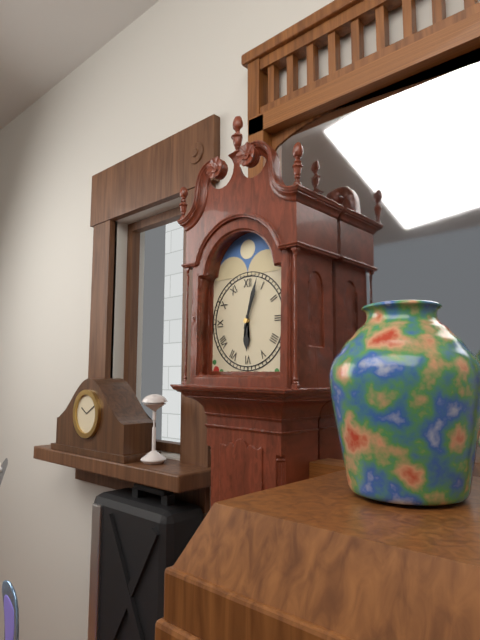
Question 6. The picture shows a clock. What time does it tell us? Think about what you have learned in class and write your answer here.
6:03
